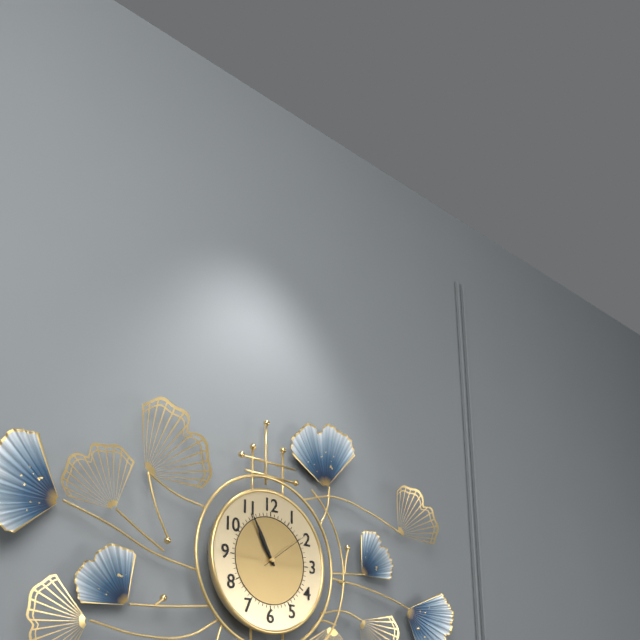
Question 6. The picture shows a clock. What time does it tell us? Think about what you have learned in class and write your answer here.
10:55
